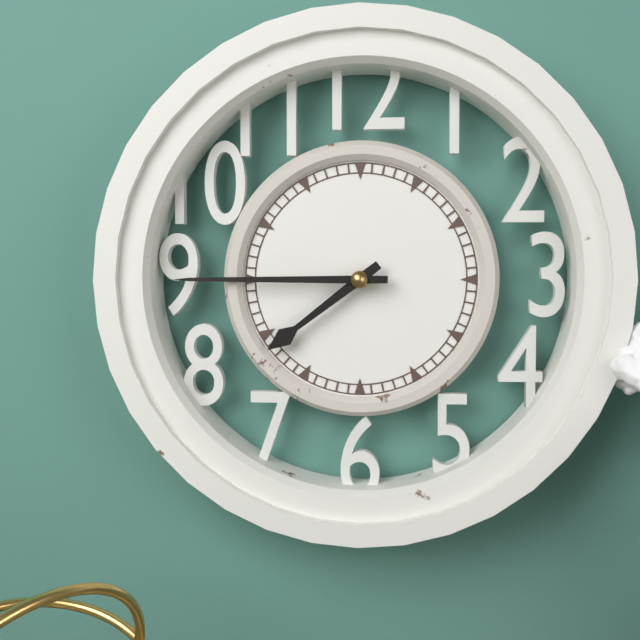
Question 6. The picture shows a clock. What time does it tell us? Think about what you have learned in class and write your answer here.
7:45
